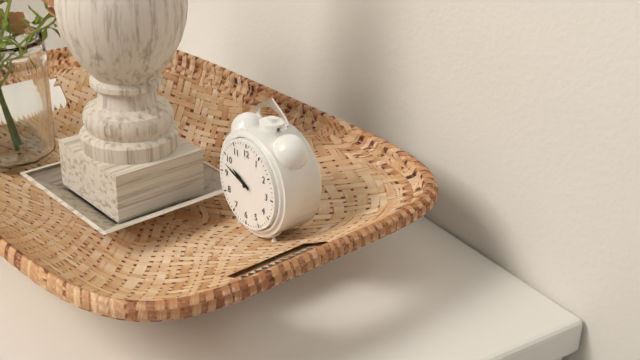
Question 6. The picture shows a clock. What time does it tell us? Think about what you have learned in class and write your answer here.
9:48
